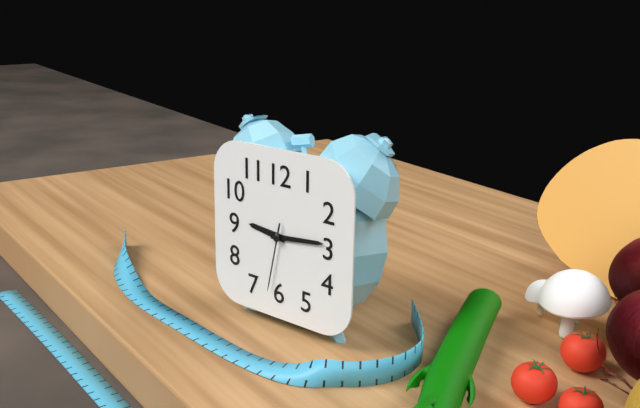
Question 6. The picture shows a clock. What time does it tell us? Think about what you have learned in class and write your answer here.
9:14:32
